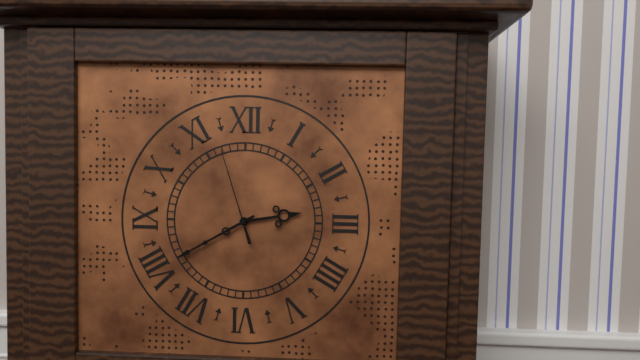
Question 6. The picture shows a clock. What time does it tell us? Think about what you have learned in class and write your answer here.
2:40:57
